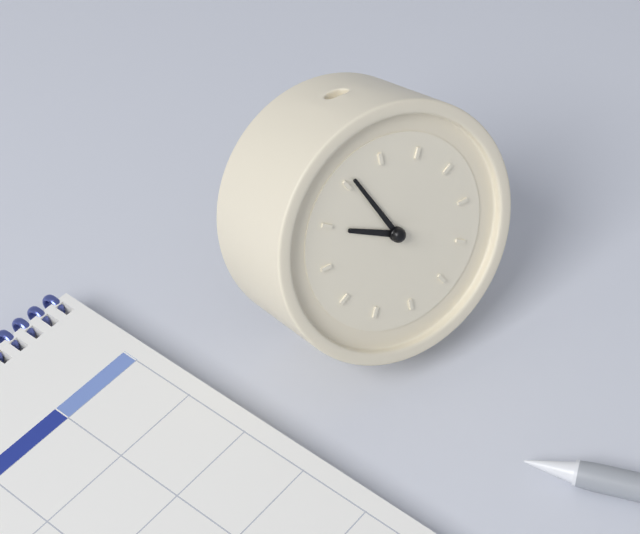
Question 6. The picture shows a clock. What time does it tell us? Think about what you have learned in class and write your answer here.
9:56
